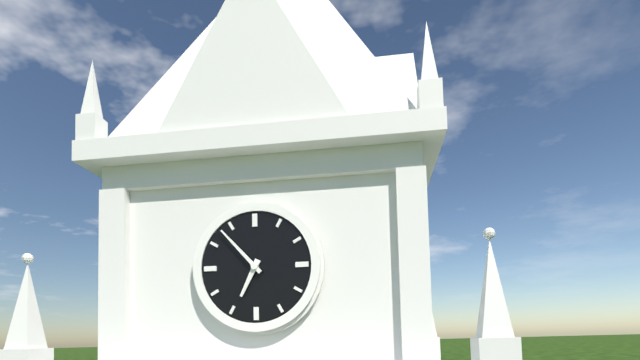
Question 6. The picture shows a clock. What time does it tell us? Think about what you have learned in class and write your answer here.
6:53
